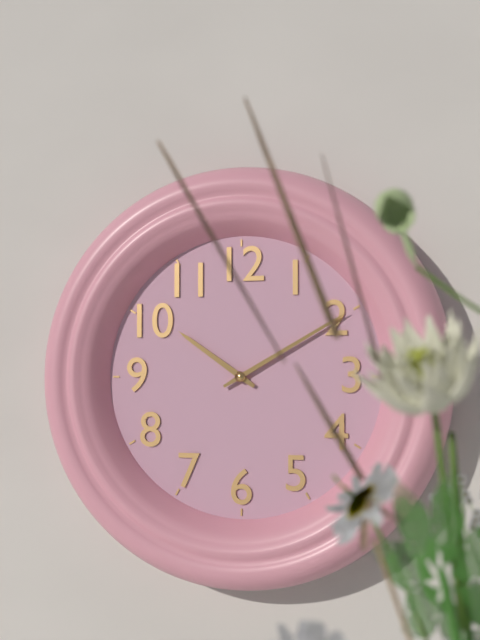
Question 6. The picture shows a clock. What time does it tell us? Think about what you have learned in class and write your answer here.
10:10
